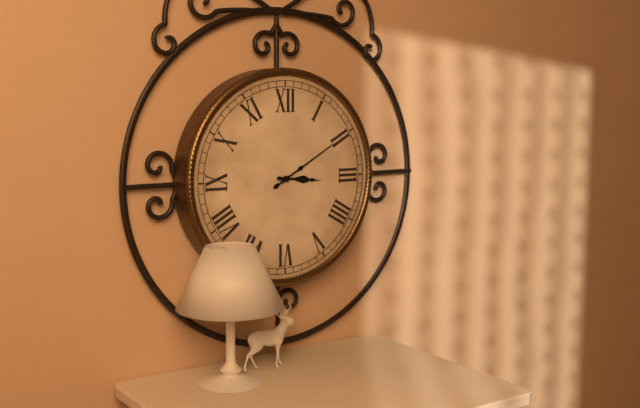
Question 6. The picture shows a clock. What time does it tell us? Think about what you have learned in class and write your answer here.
3:10
